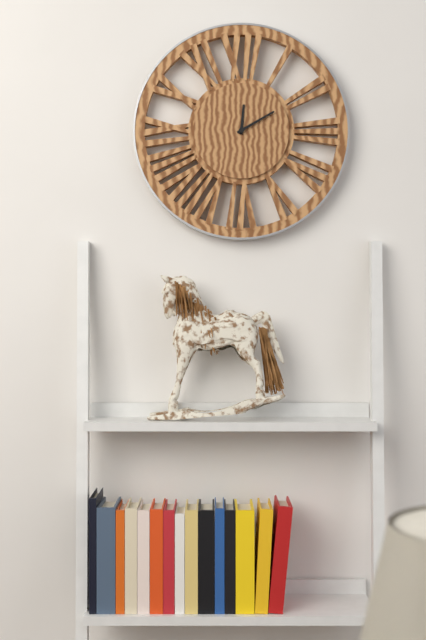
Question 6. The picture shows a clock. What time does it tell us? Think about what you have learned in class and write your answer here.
12:10
